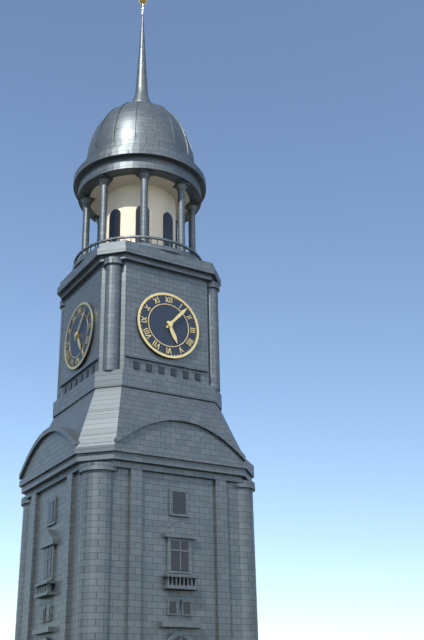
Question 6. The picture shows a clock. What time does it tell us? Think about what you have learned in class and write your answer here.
5:07
